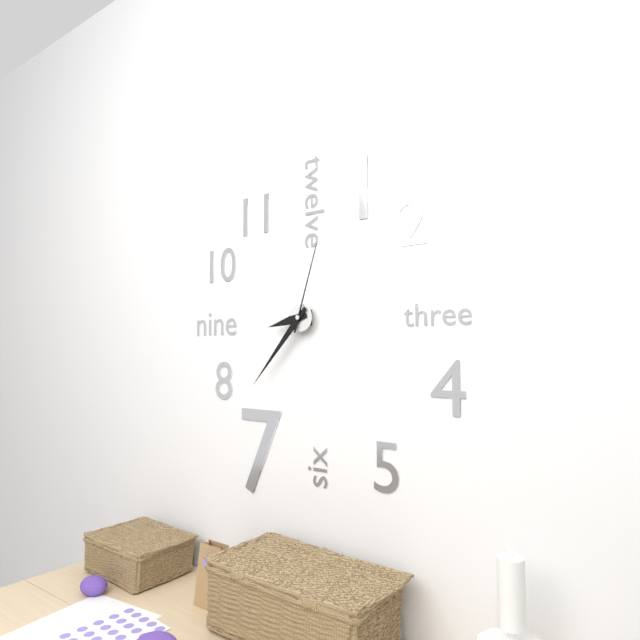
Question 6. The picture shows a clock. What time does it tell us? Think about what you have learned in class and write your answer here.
8:37:03
